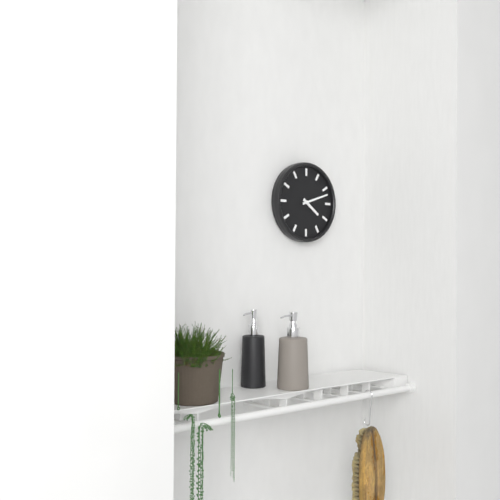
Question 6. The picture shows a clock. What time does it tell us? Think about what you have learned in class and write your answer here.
4:12
